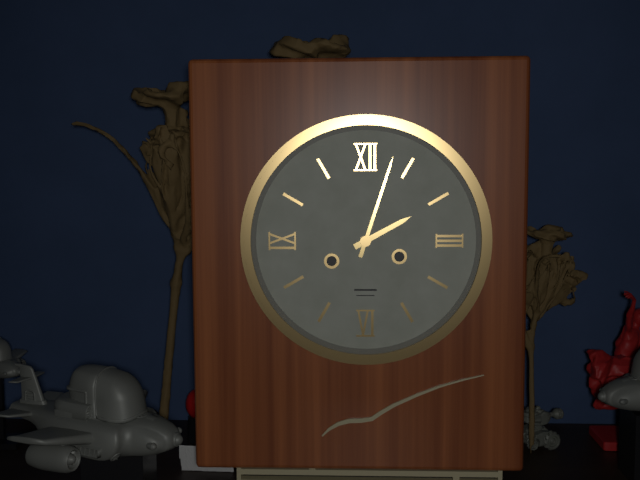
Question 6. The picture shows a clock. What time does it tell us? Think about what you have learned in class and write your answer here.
2:03
